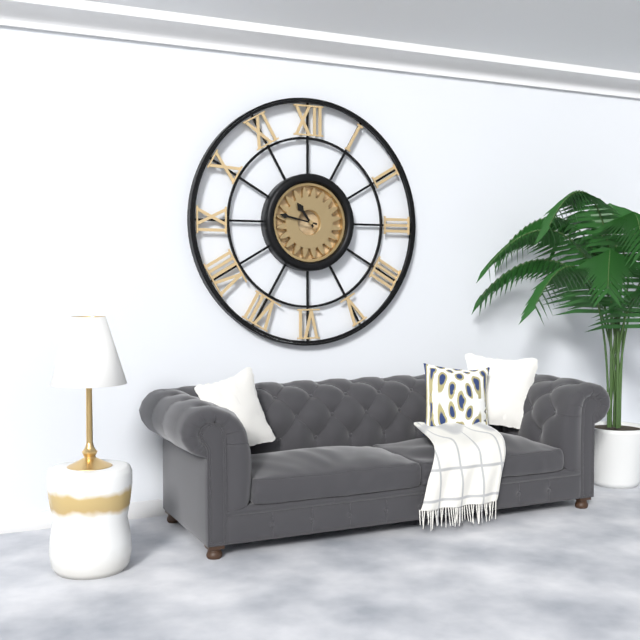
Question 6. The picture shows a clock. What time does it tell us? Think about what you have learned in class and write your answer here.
10:47
